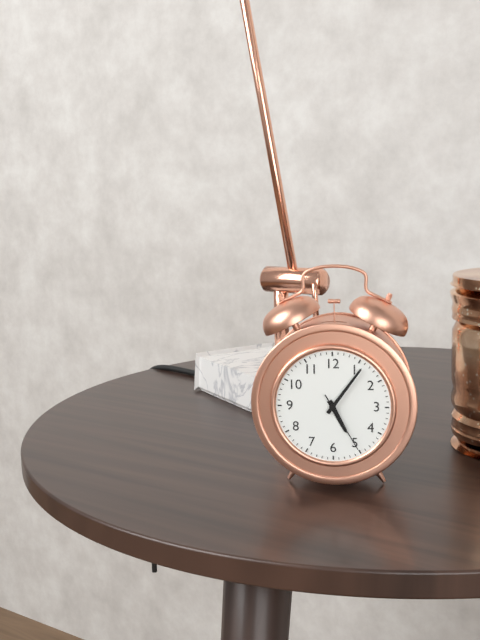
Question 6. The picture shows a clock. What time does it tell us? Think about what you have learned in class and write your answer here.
5:06:25
